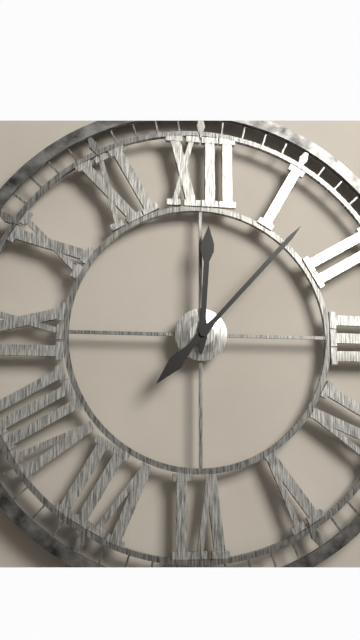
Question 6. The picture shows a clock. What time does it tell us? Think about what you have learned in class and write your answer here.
12:07
